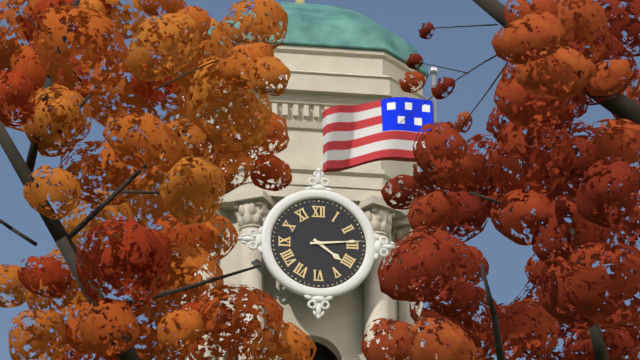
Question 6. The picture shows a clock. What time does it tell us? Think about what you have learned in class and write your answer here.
4:14
